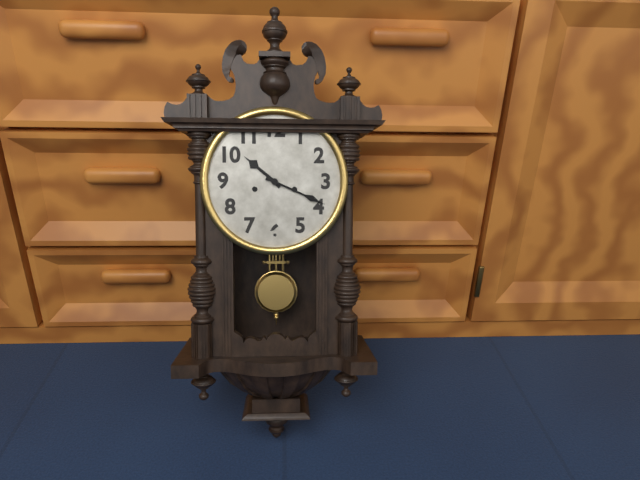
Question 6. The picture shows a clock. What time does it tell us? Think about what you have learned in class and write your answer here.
10:19
